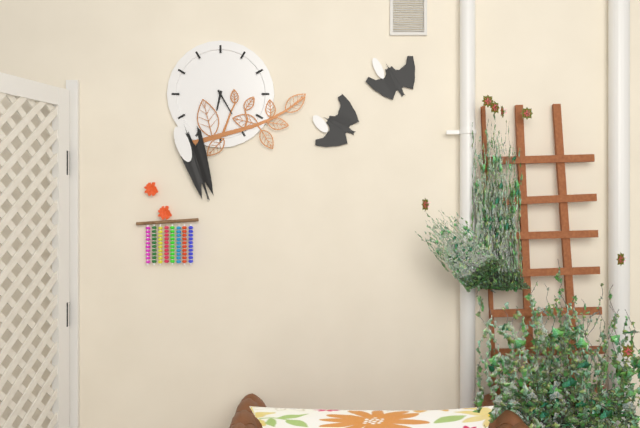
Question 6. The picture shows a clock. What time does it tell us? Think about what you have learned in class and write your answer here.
6:25
